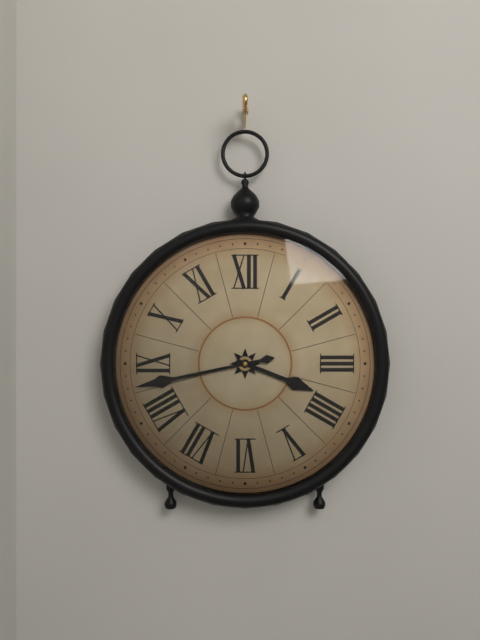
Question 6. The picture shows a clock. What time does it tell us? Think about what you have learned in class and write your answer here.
3:43
